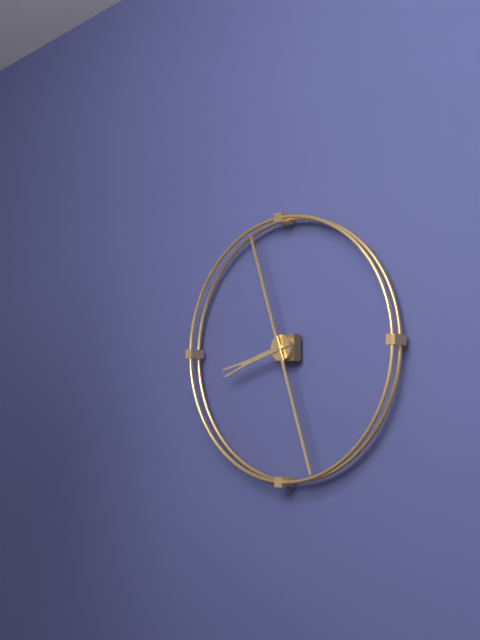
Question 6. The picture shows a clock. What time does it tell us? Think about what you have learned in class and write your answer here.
8:27
